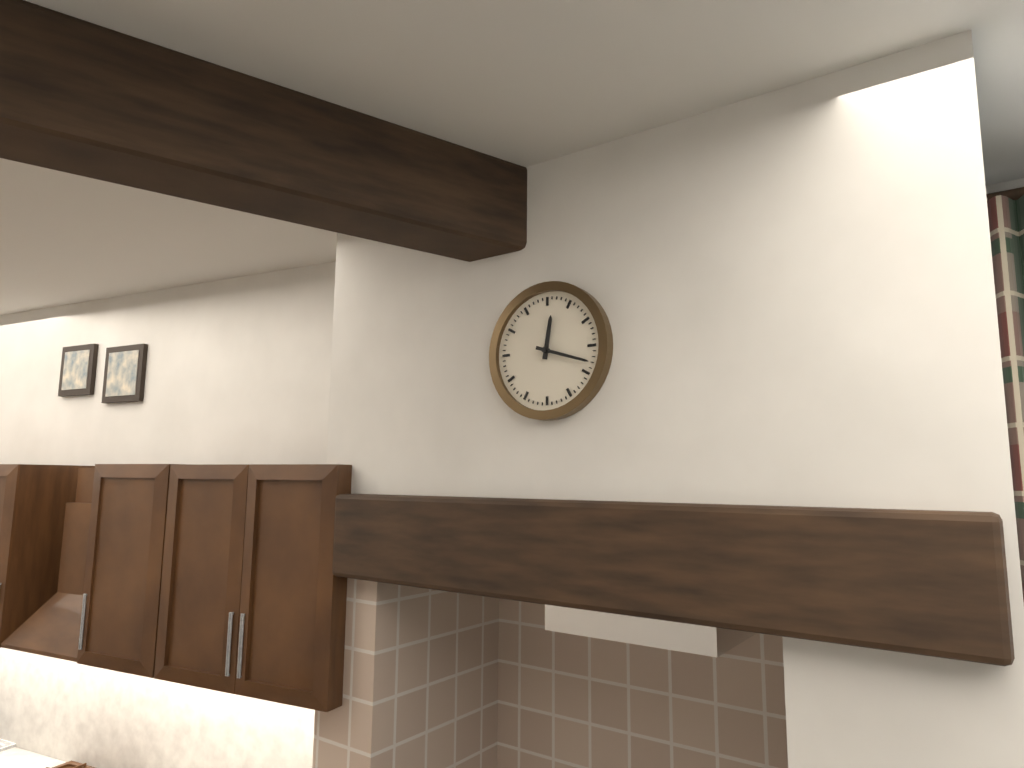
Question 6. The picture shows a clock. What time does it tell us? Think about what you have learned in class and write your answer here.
12:18
